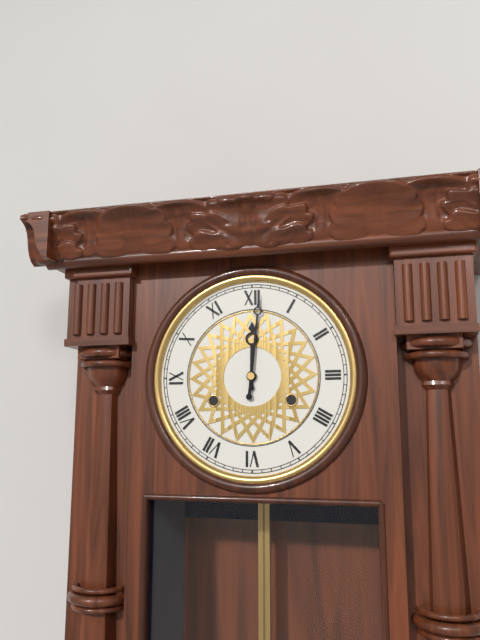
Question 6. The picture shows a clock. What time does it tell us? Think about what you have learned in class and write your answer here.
12:01
